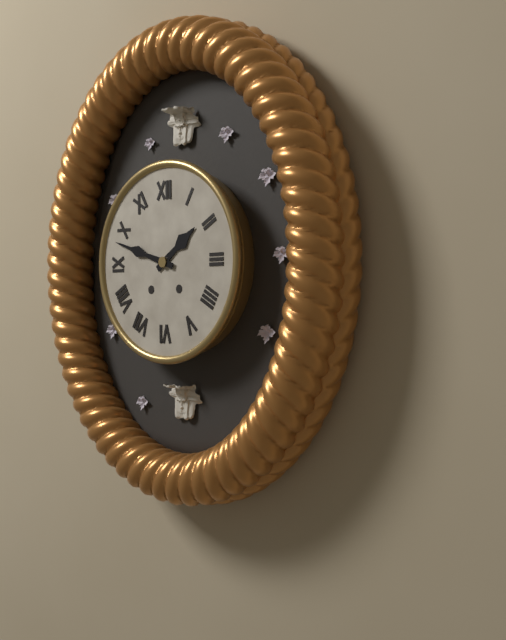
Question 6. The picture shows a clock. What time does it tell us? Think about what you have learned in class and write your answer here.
1:48
